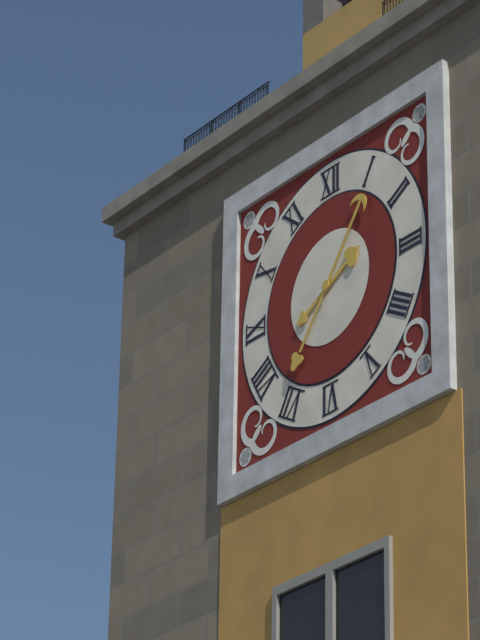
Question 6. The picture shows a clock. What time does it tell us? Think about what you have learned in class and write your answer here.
2:06
